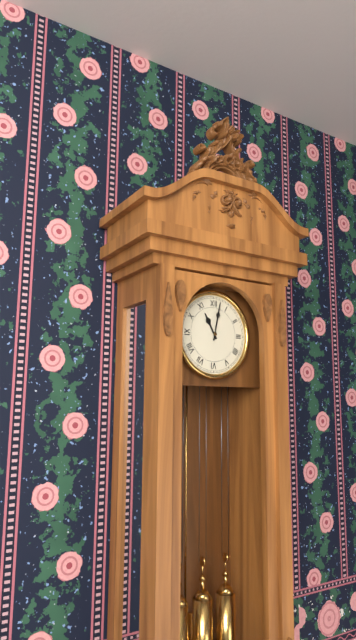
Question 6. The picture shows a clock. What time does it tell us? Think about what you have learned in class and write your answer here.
11:02
